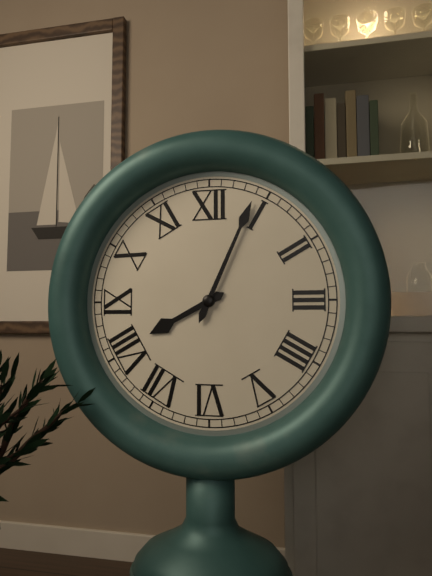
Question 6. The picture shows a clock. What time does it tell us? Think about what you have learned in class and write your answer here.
8:04
